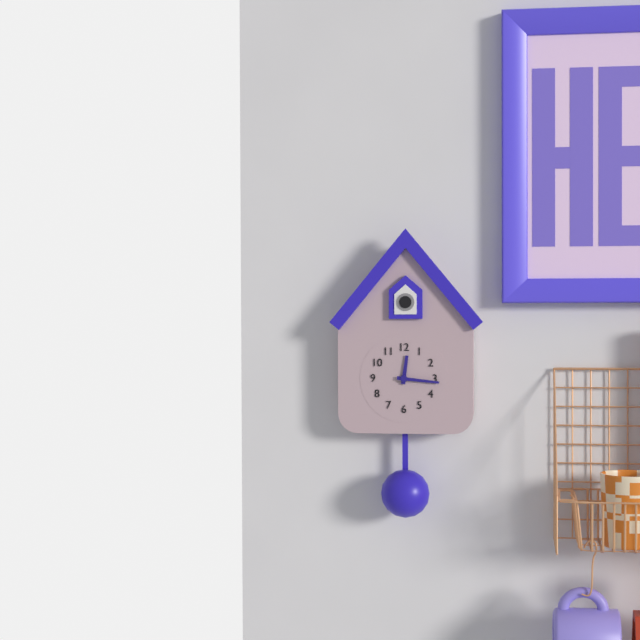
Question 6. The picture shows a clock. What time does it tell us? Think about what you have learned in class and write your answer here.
12:16
